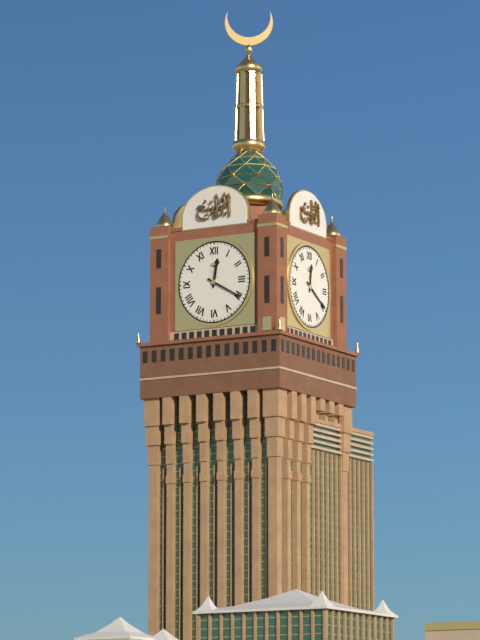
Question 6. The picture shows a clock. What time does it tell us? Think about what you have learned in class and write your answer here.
12:20
